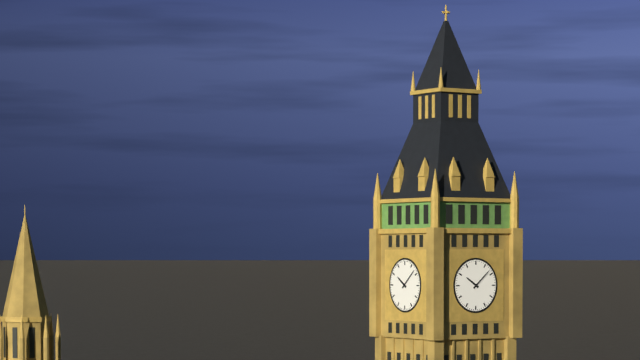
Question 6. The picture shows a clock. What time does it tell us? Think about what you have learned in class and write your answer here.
10:08
